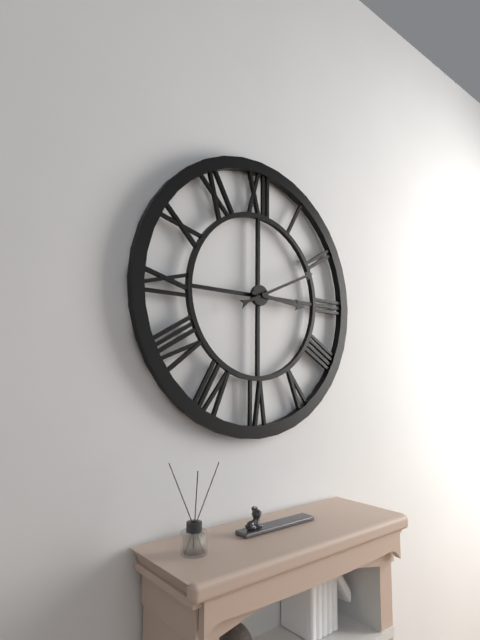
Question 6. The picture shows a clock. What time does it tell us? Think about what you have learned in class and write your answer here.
3:11
